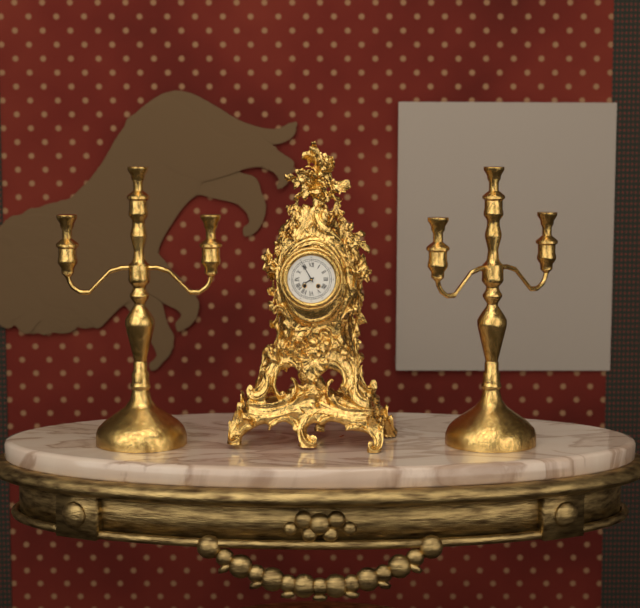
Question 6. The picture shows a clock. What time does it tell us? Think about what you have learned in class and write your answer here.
7:55
